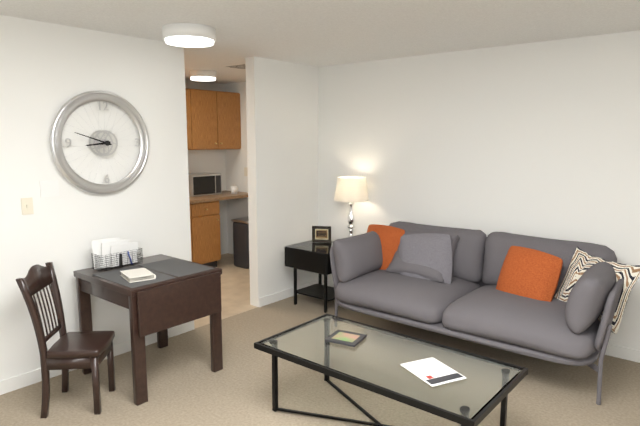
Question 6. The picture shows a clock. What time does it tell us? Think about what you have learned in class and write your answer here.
8:48
